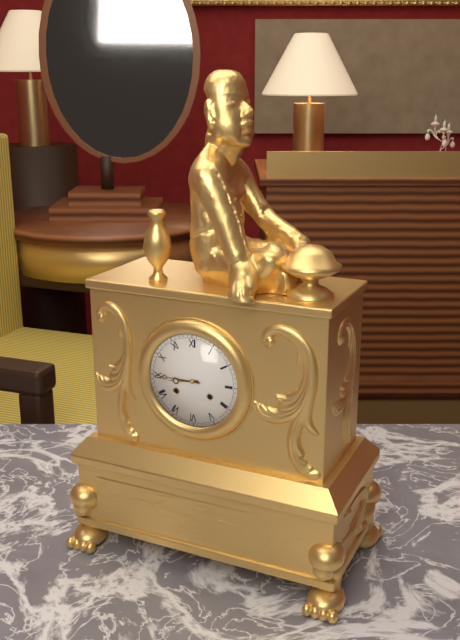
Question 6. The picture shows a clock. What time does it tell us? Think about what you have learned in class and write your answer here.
8:45
